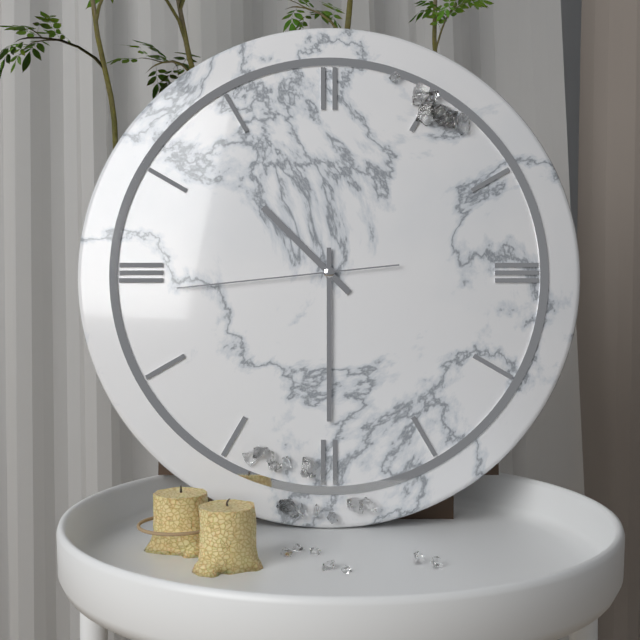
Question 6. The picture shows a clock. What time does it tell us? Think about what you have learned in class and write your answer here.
10:30:44
